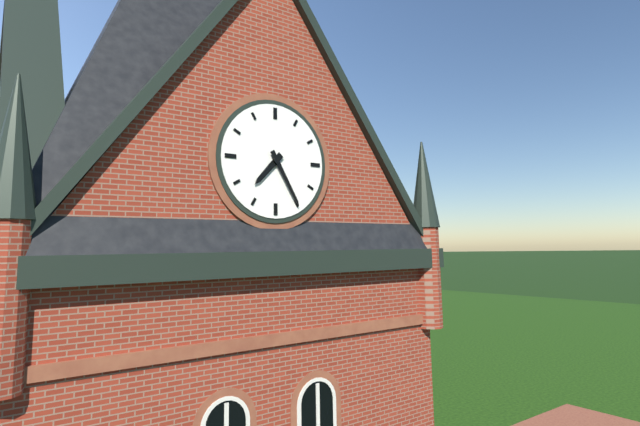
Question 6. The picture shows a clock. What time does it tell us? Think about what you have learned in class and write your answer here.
7:25
